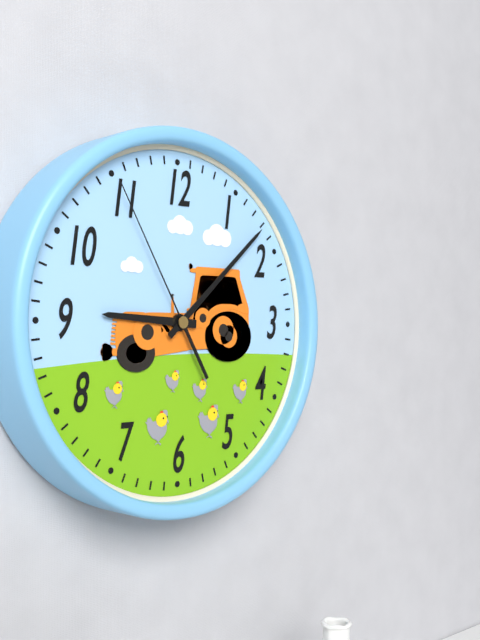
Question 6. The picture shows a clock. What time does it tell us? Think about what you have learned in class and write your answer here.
9:08:55
